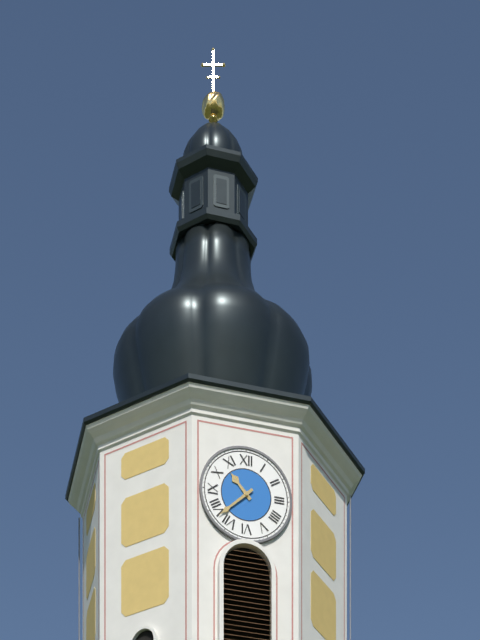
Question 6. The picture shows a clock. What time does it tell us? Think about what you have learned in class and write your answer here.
10:38
